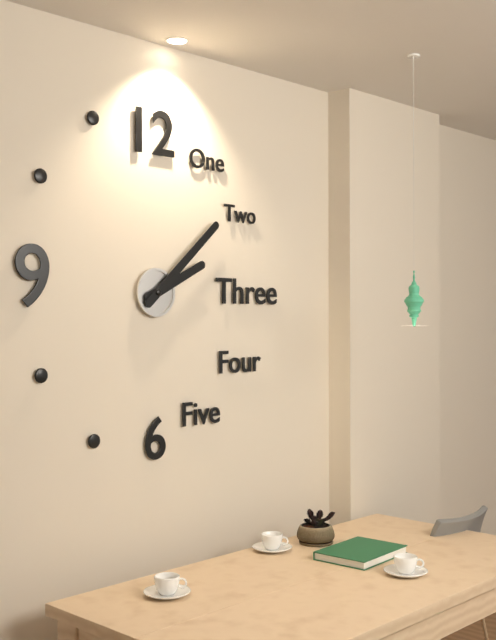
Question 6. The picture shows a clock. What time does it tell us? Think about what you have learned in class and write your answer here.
2:08
